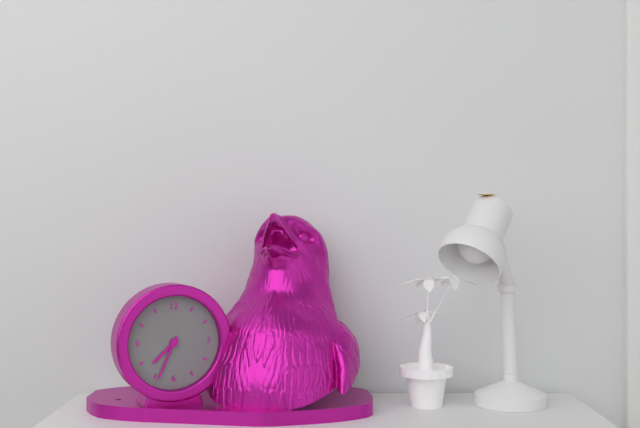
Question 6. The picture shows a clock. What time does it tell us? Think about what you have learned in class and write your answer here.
7:34
